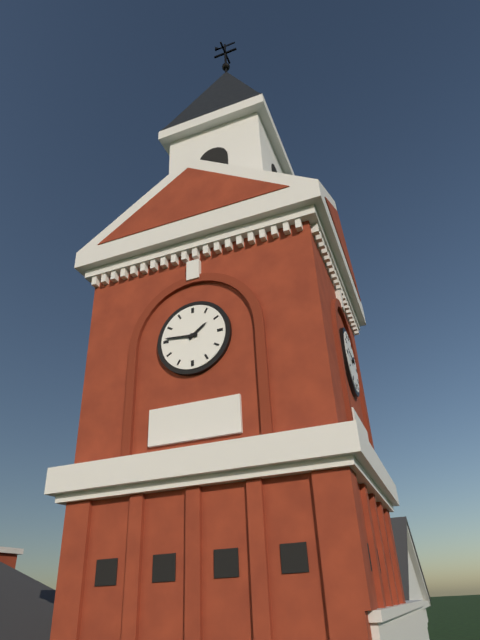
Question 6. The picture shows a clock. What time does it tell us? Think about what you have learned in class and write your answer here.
1:46
